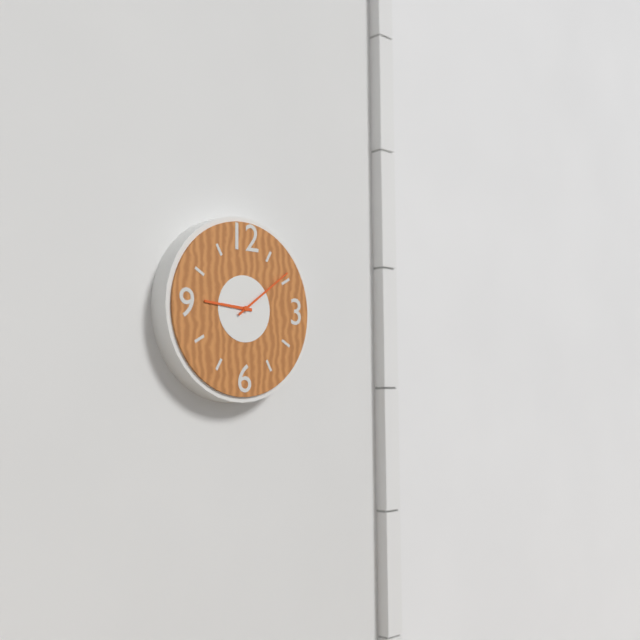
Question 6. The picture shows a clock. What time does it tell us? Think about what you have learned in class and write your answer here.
9:09
